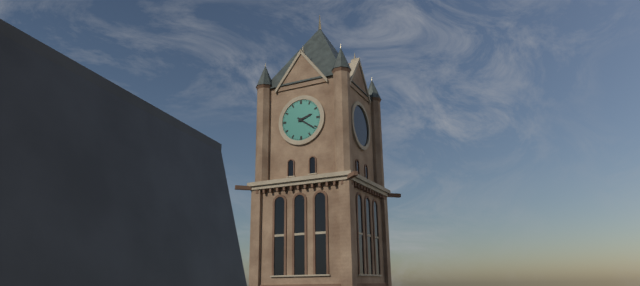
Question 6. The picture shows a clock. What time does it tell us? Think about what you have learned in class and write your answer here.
2:21
